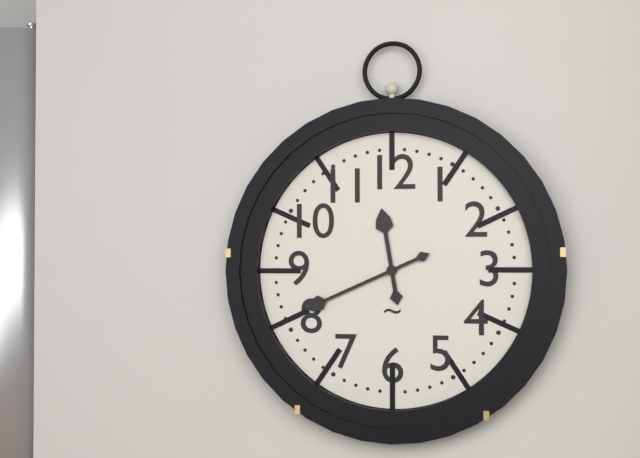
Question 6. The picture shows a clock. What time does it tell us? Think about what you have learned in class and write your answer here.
11:41
